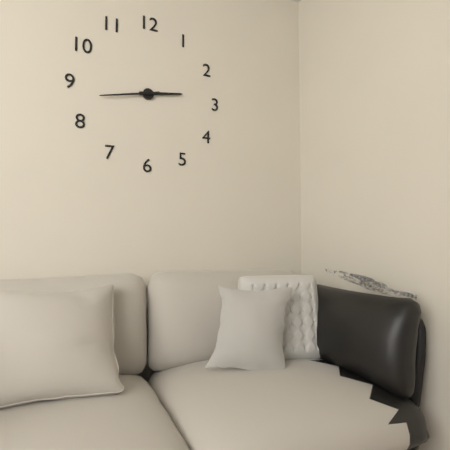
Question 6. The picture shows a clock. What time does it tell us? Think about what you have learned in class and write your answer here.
2:43
